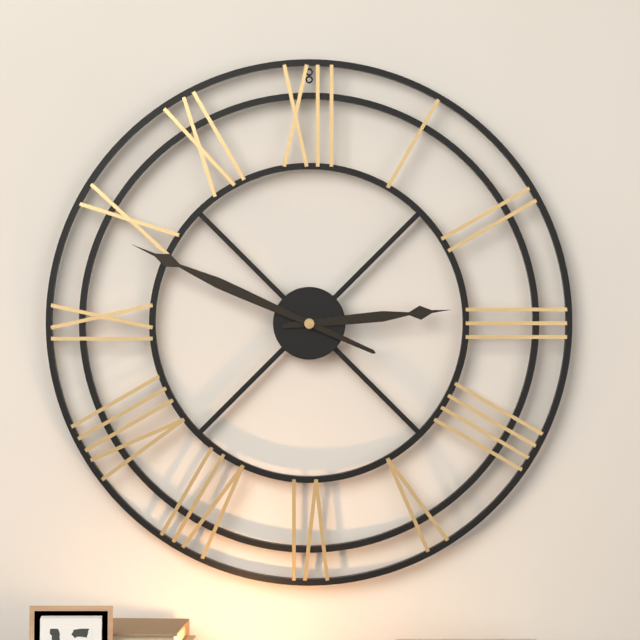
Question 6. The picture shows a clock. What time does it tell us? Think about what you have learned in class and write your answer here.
2:49
